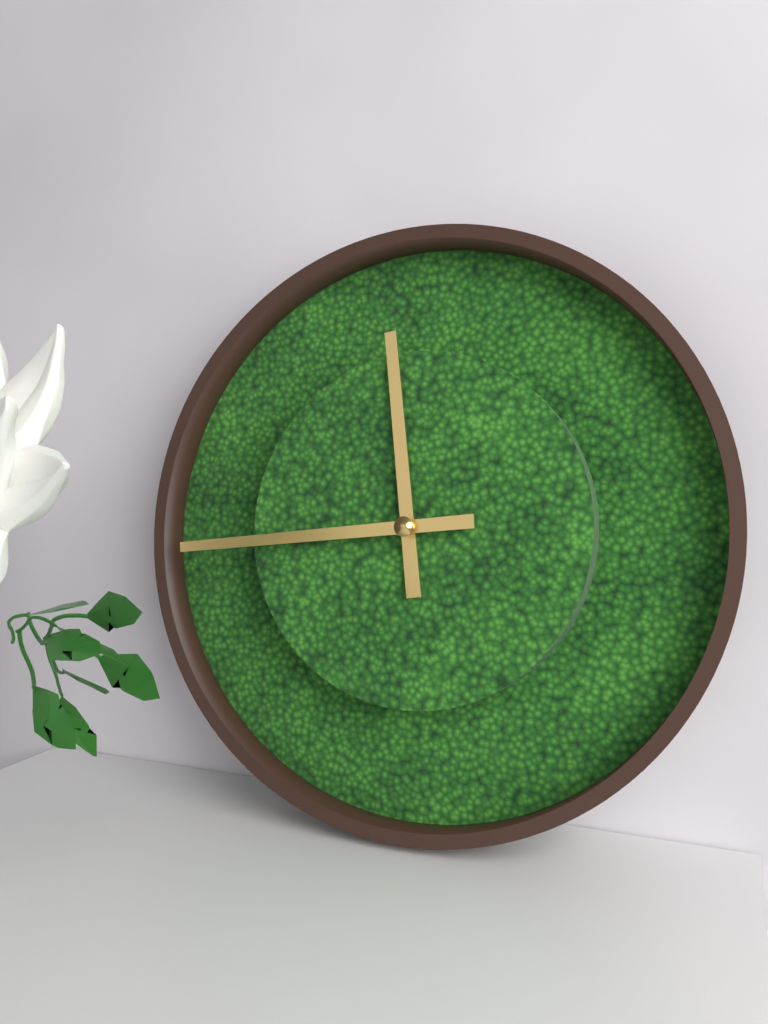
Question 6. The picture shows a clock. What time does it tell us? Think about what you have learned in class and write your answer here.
11:44
